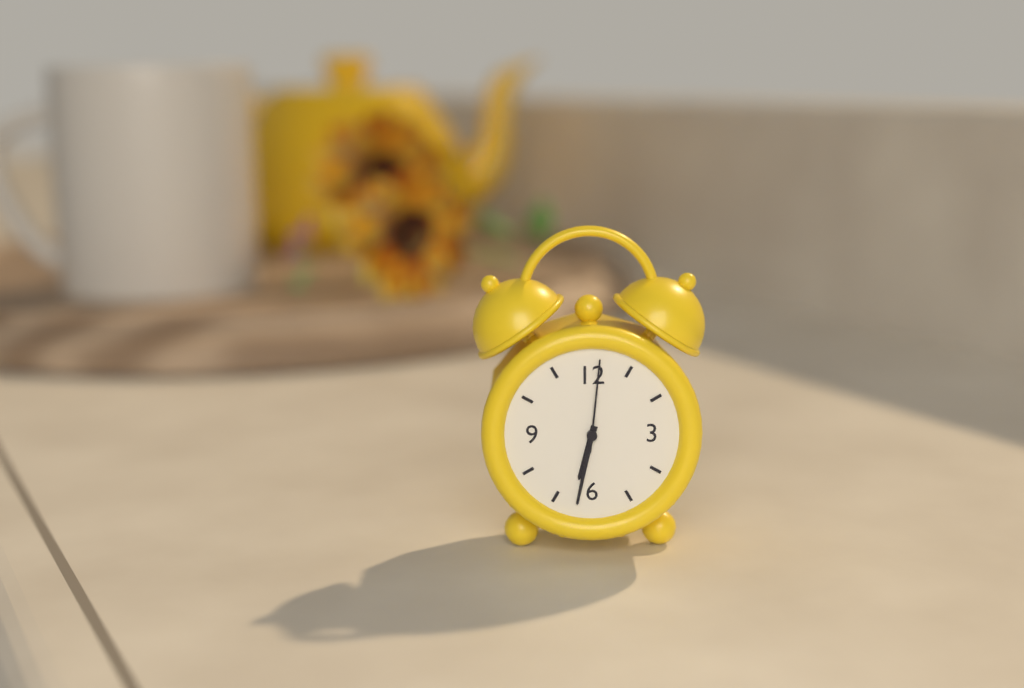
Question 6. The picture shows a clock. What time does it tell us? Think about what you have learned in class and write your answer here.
6:32:01
